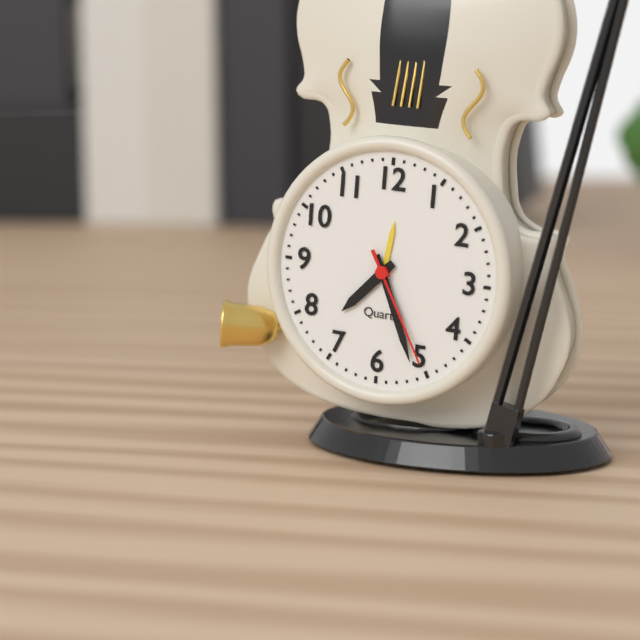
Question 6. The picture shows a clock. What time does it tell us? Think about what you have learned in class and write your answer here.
7:26:25
